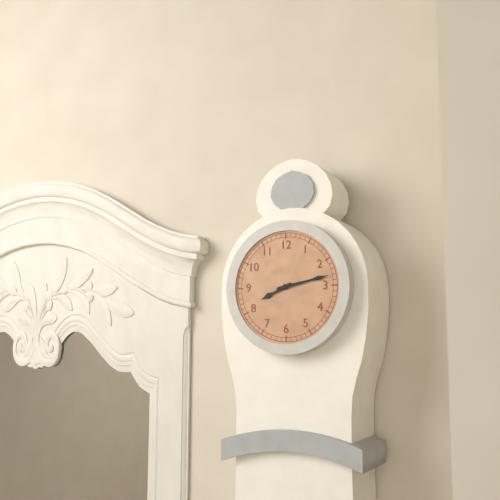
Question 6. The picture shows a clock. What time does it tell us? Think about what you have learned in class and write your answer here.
8:13
